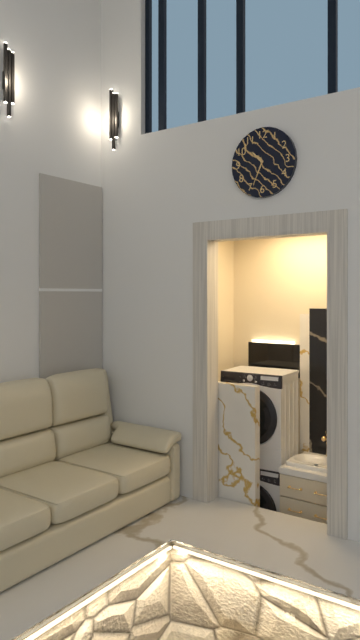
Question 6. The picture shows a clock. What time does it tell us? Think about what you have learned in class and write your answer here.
10:34
